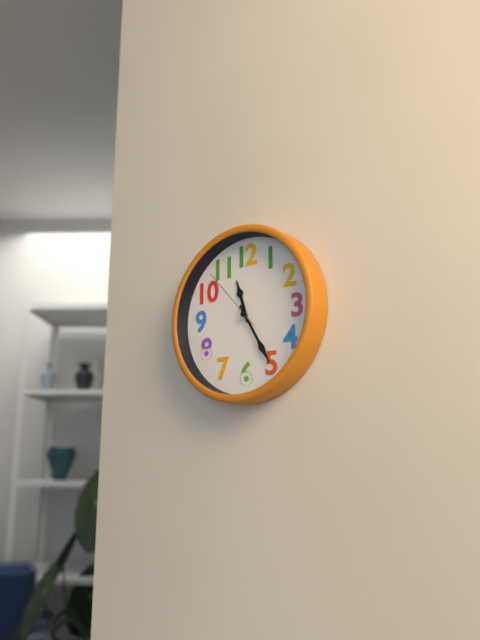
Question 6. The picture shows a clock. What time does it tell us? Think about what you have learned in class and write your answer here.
11:25:53
